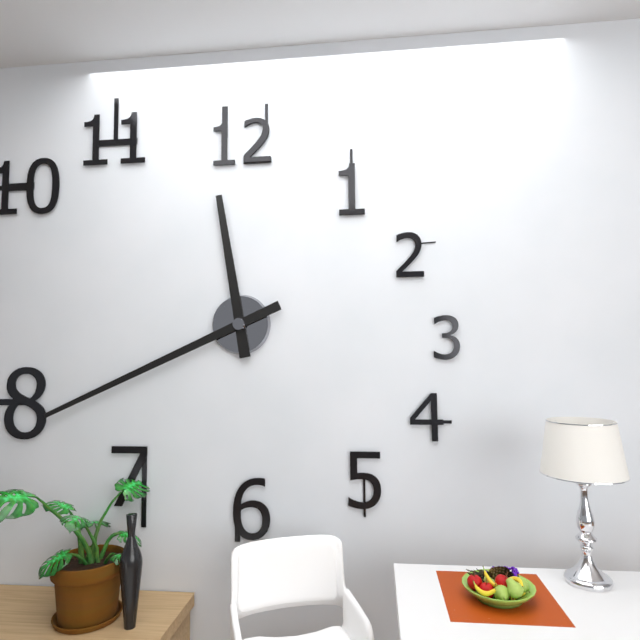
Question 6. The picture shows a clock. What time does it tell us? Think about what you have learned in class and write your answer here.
11:41
